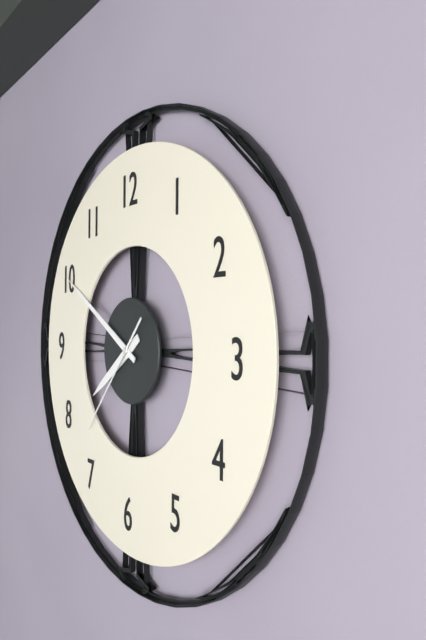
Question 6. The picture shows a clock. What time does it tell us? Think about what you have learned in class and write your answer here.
7:50:37
